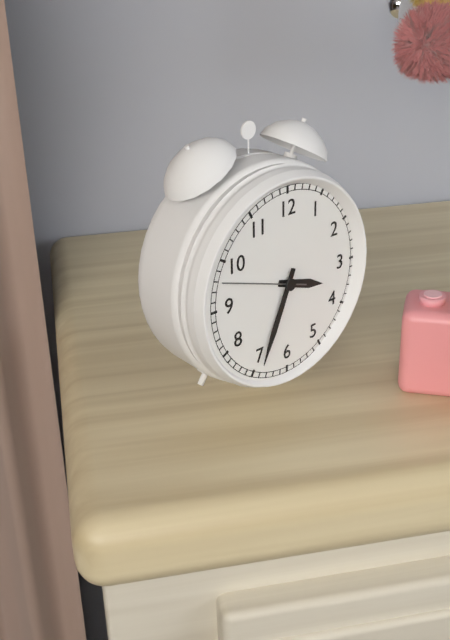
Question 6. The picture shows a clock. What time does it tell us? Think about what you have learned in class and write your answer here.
3:34:48
